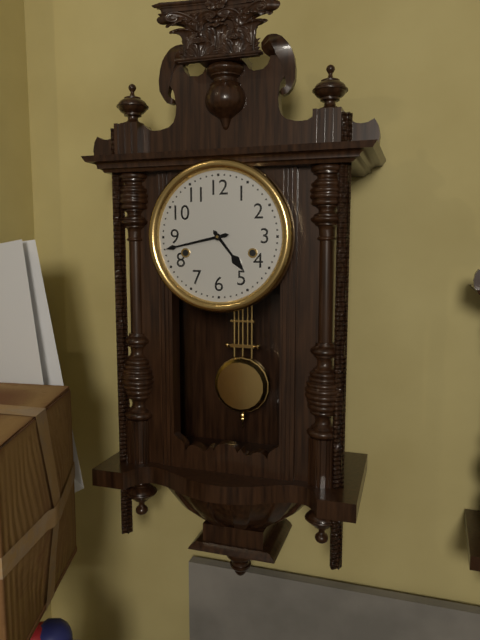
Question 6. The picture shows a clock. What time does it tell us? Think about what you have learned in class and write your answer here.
4:43
